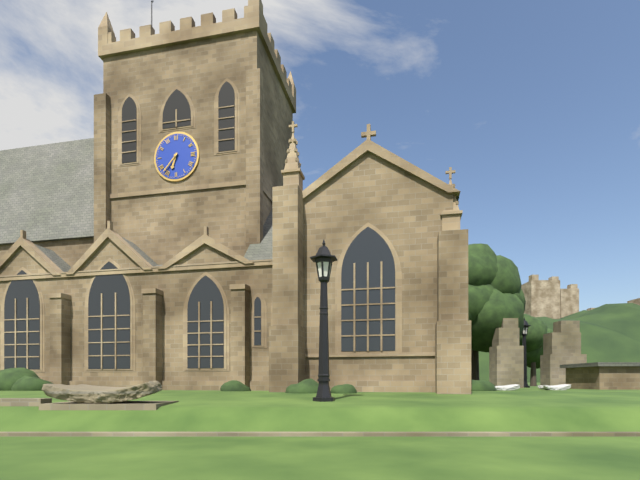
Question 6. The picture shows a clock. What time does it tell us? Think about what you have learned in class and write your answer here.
6:37
